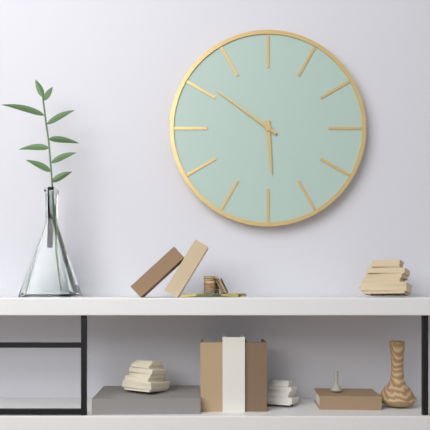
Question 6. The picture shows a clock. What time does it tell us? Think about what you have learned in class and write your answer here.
5:51
